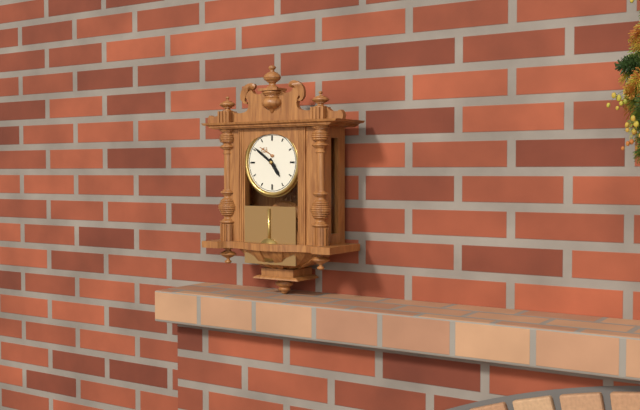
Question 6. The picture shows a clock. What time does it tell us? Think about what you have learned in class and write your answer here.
4:51
